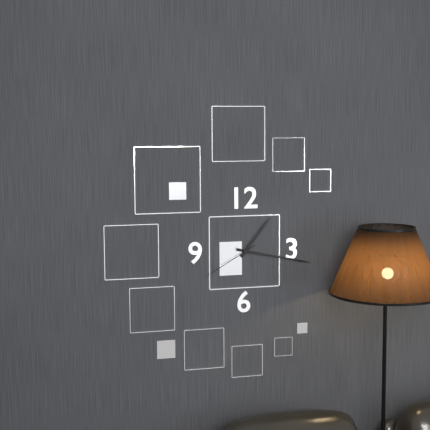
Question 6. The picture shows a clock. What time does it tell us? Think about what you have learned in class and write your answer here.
1:17:40
